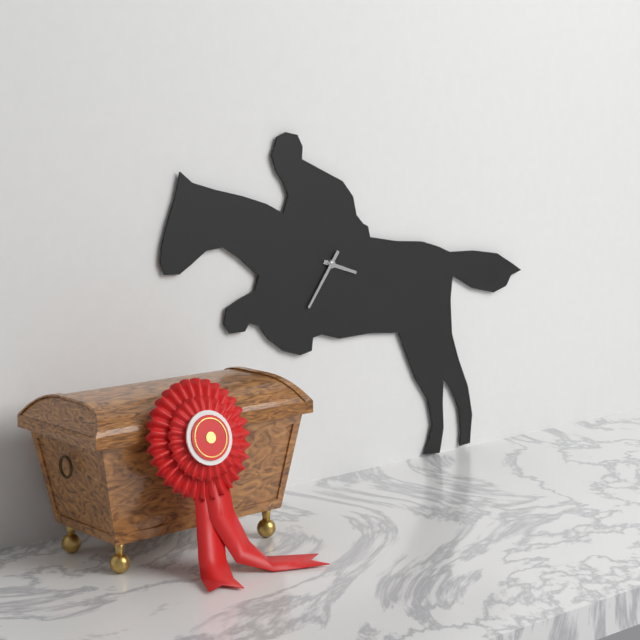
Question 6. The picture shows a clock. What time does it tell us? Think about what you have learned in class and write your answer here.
3:36
